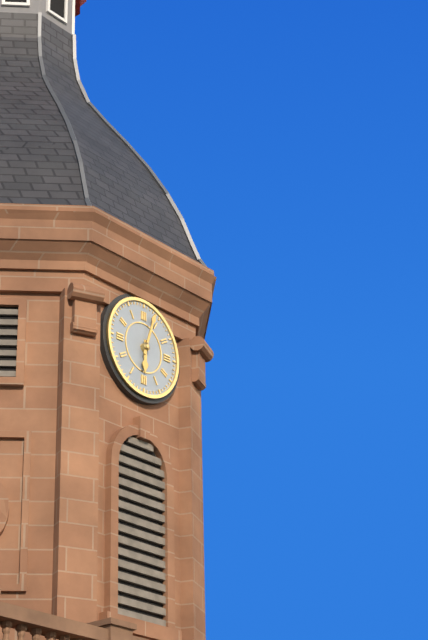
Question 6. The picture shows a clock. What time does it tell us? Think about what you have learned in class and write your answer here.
6:03
